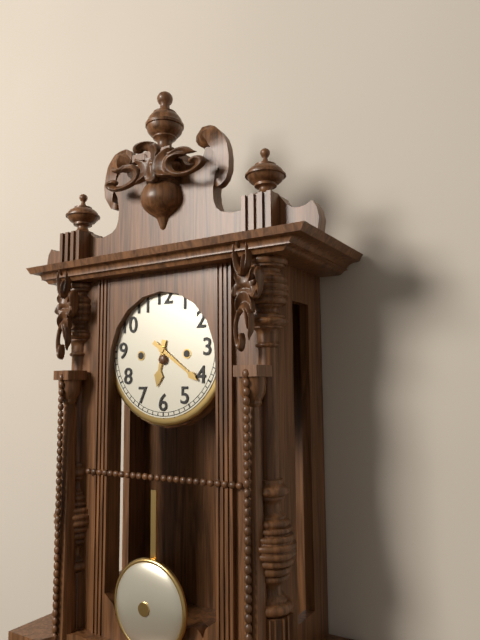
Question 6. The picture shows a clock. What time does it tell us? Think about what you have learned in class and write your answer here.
6:21
